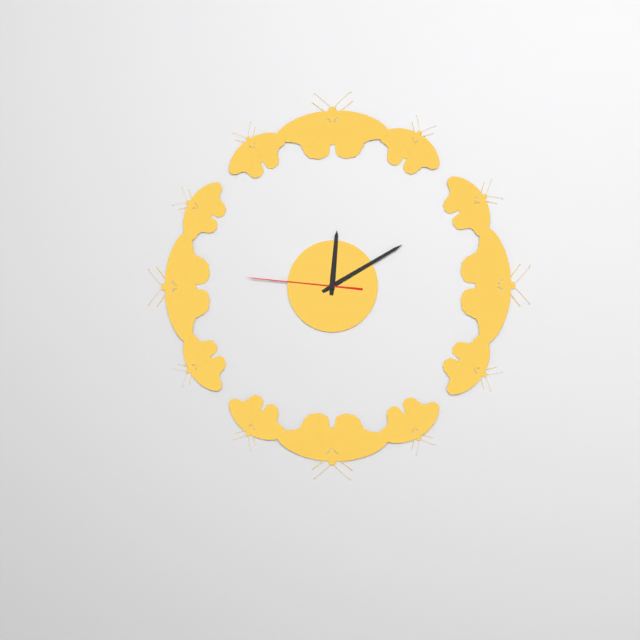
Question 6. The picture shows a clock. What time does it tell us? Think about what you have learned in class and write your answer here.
12:10:46
